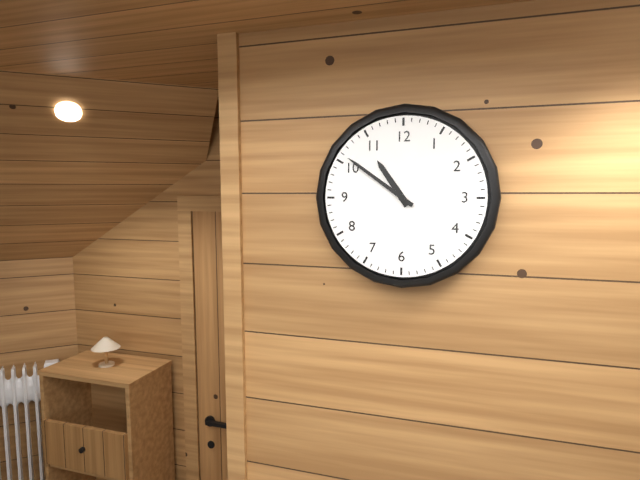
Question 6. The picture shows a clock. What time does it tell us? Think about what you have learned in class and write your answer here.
10:51
